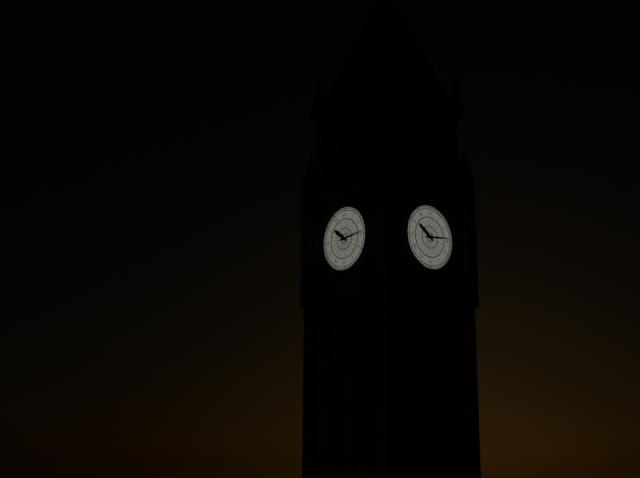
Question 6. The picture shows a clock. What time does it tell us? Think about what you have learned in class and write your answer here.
10:14
